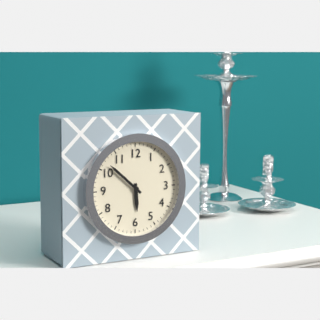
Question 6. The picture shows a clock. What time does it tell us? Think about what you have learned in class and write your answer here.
5:52
